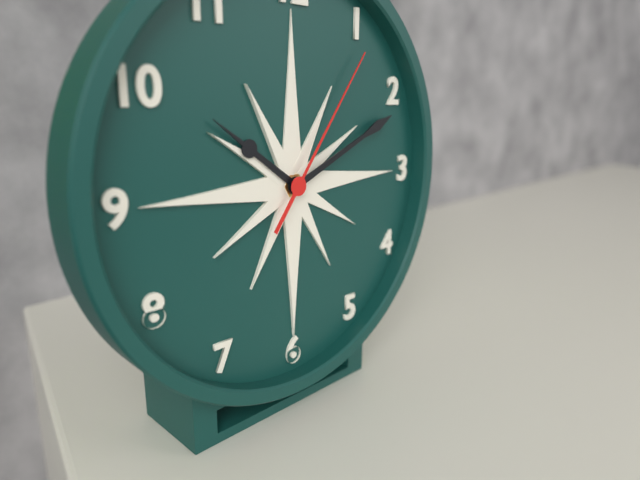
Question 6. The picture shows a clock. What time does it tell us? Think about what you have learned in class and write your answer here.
10:11:06
